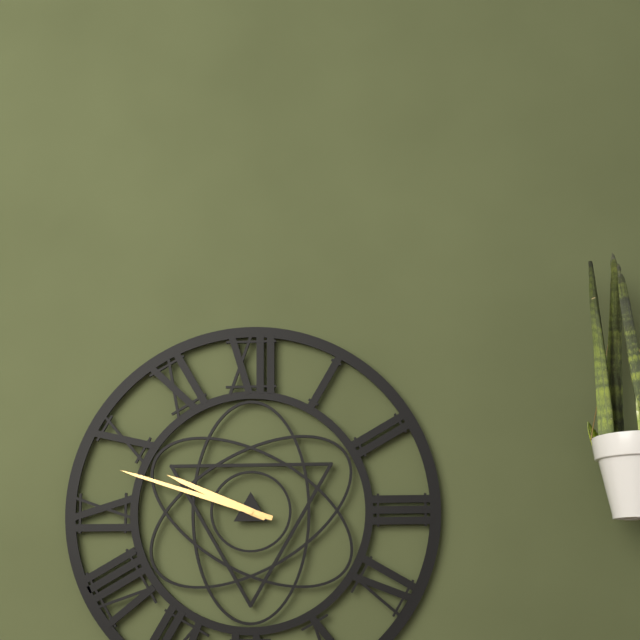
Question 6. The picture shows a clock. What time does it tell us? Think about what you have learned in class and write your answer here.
9:48
